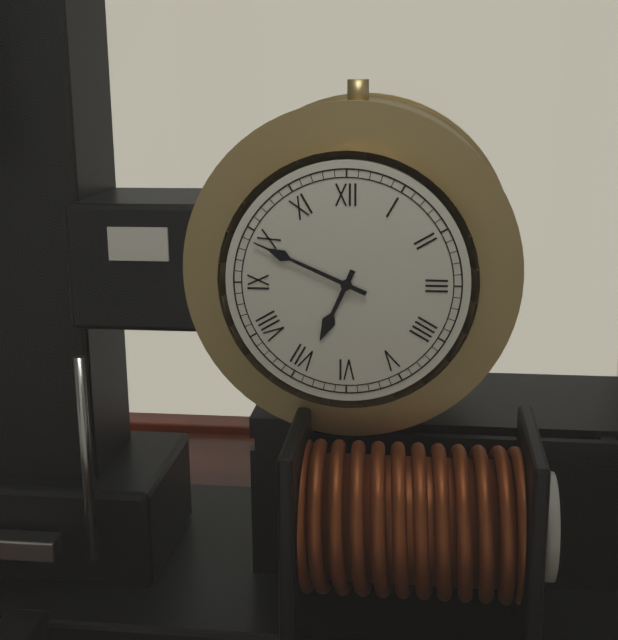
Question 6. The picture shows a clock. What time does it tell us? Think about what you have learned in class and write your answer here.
6:49
